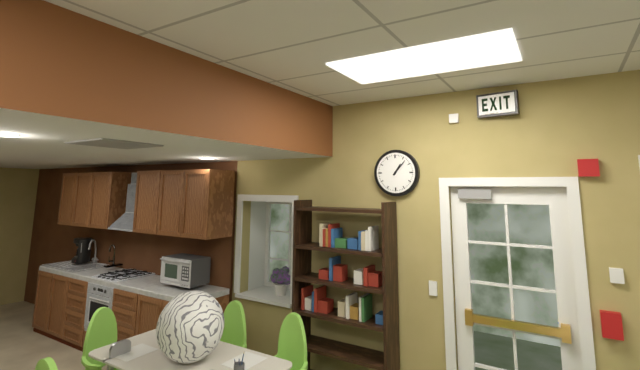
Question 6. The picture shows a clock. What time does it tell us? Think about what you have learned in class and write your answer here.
1:07
